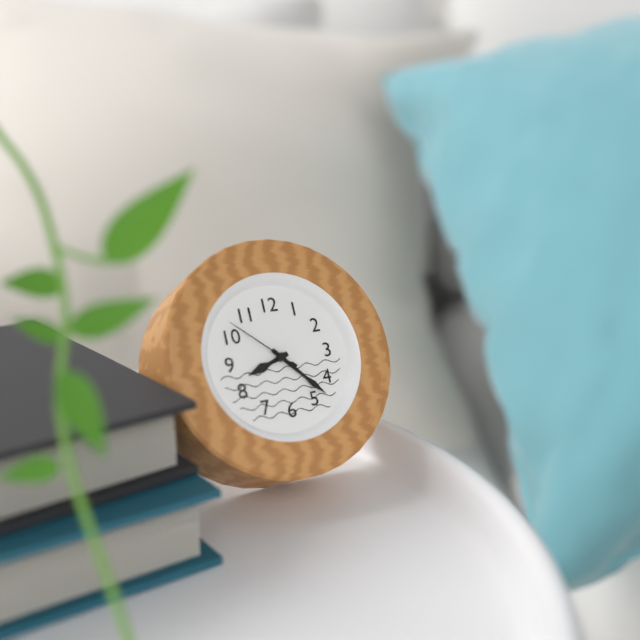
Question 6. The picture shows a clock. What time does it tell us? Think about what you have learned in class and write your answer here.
8:23:52
